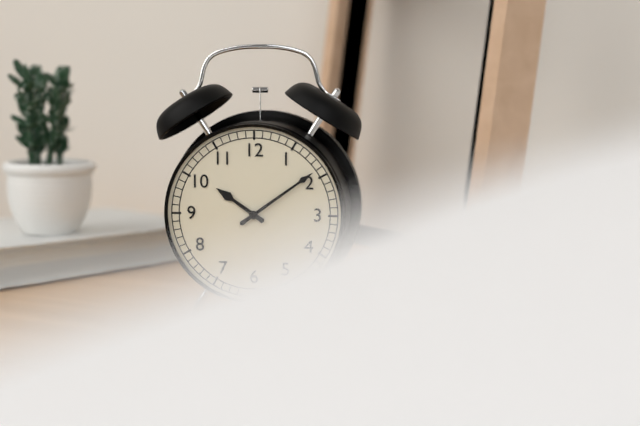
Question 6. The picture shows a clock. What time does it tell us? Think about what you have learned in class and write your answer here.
10:09
